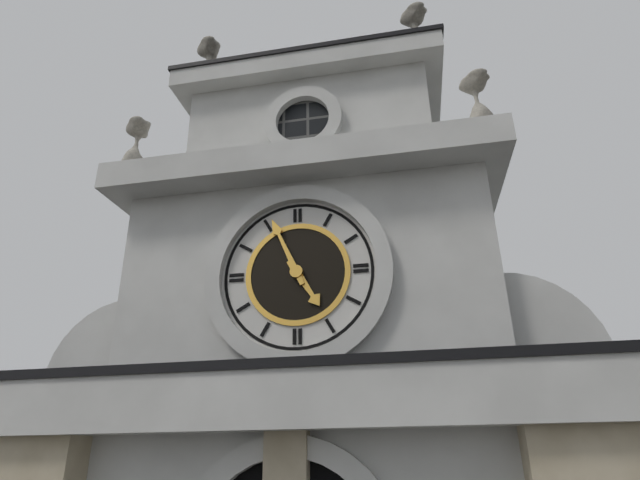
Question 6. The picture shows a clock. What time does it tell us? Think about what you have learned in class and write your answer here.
4:56
